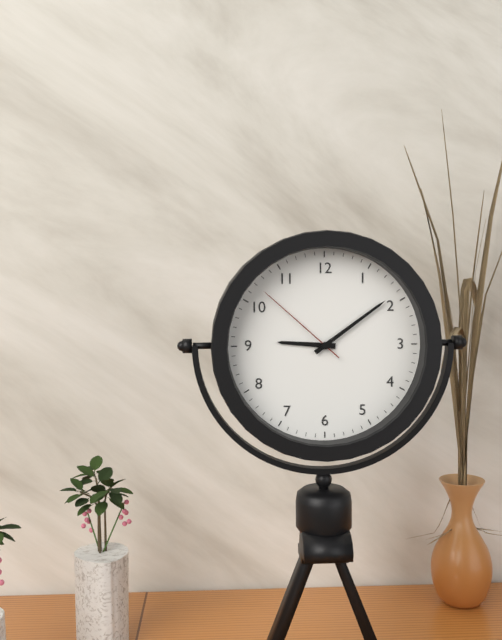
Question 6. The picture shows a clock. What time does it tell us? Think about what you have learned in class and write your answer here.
9:09:52
